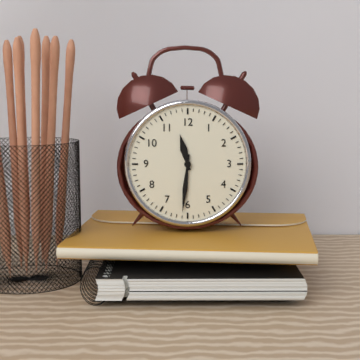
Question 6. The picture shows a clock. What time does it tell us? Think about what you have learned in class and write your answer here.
11:31
